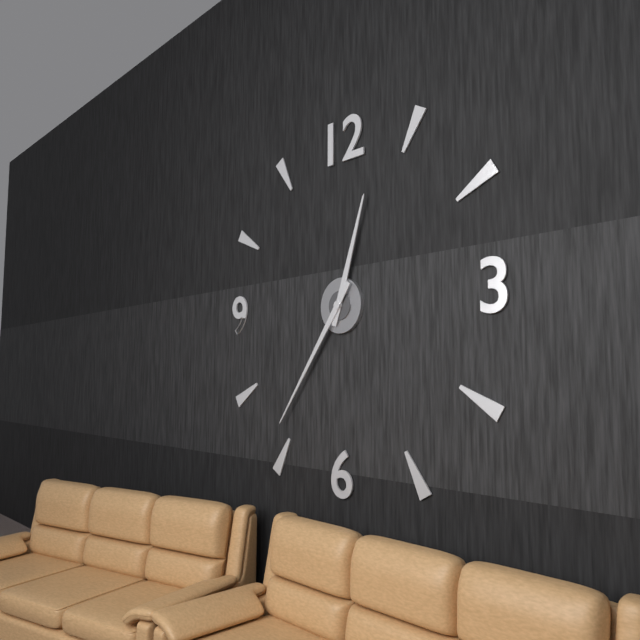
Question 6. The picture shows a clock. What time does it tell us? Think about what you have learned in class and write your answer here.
12:36
